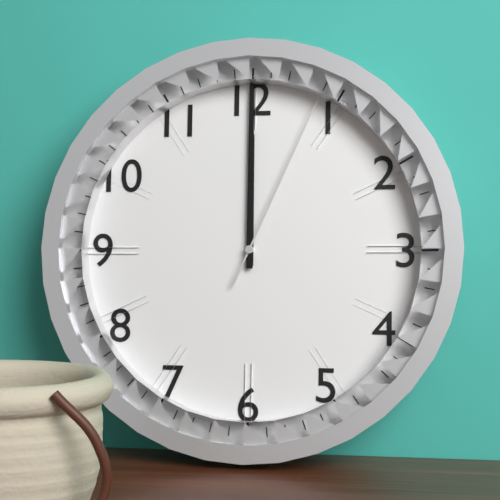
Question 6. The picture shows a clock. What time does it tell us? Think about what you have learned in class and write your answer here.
12:00:04
